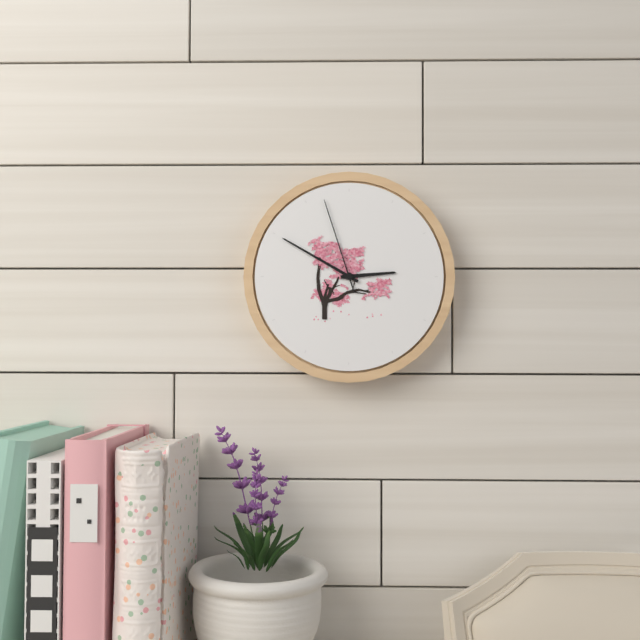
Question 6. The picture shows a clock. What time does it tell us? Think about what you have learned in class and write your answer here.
2:50:57
